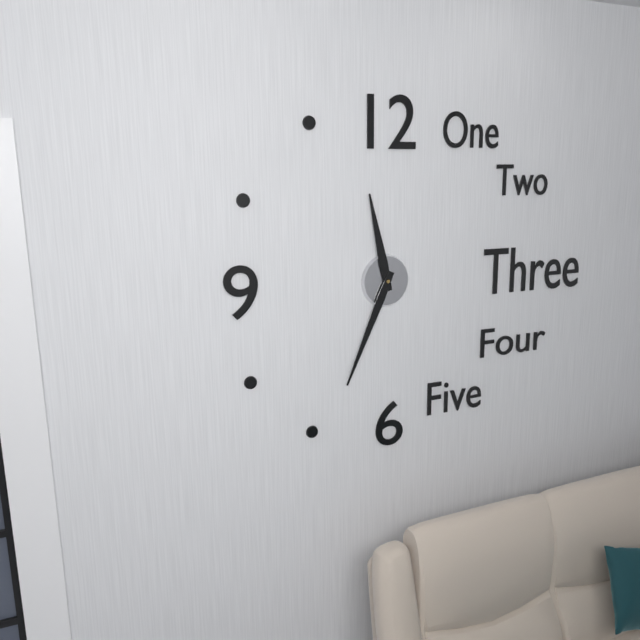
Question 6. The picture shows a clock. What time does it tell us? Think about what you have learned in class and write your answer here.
11:34
